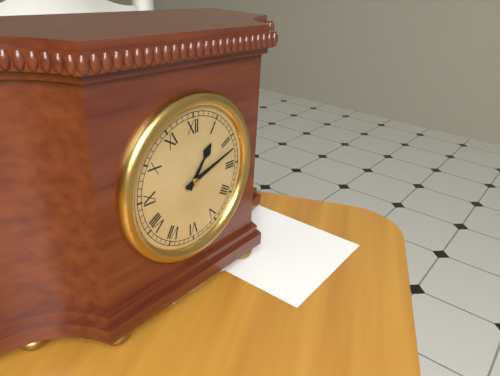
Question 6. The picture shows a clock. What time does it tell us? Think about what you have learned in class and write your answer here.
1:12
